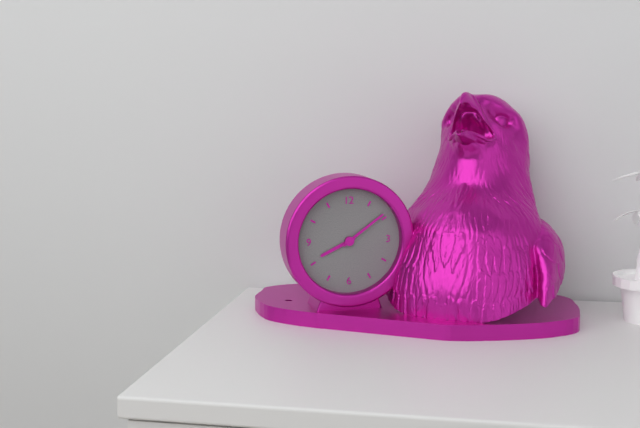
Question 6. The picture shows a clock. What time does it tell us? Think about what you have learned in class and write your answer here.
8:09
